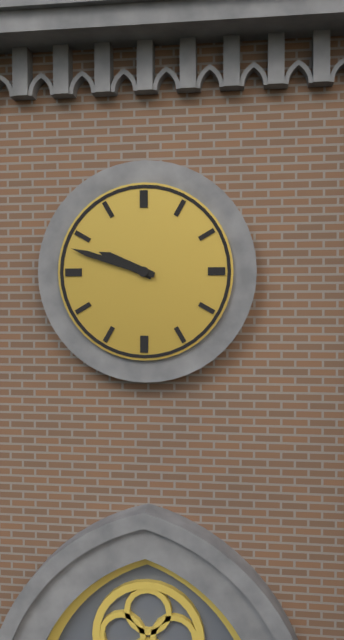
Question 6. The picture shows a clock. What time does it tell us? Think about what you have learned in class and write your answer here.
9:48
